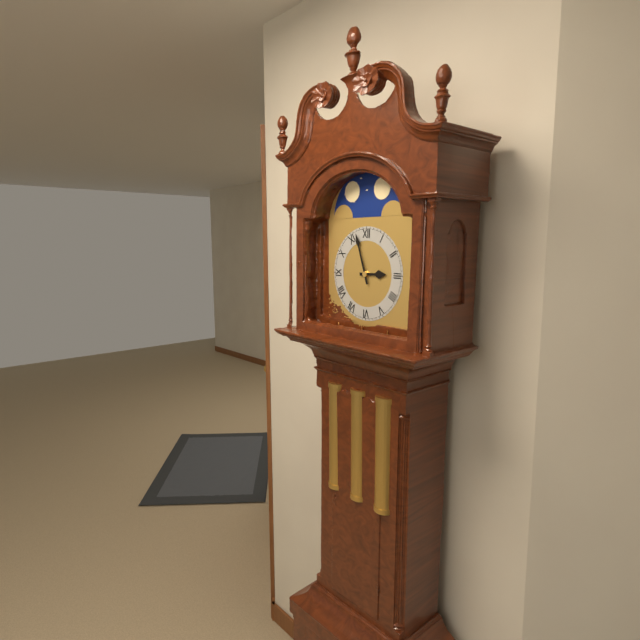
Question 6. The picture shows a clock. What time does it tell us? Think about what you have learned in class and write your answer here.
2:57
